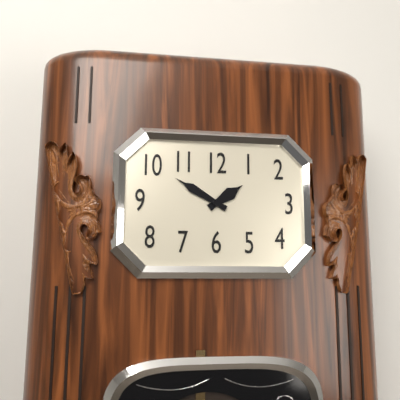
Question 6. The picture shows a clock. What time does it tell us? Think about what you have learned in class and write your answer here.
1:50
